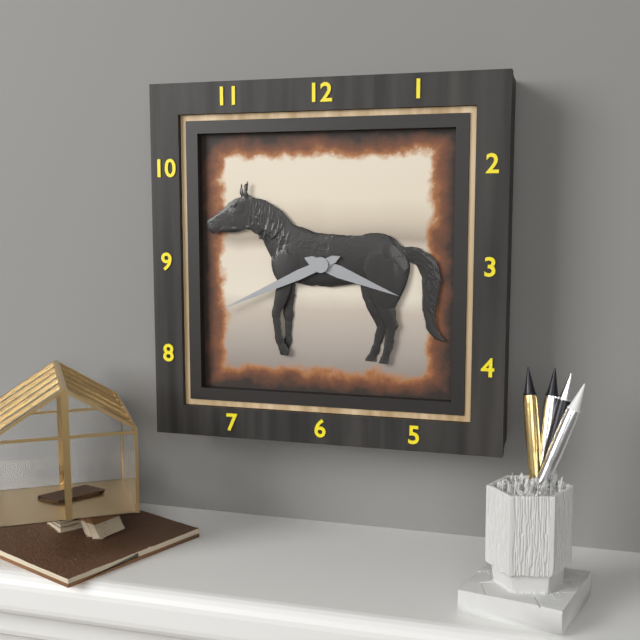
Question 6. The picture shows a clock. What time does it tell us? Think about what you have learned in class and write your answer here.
3:41
